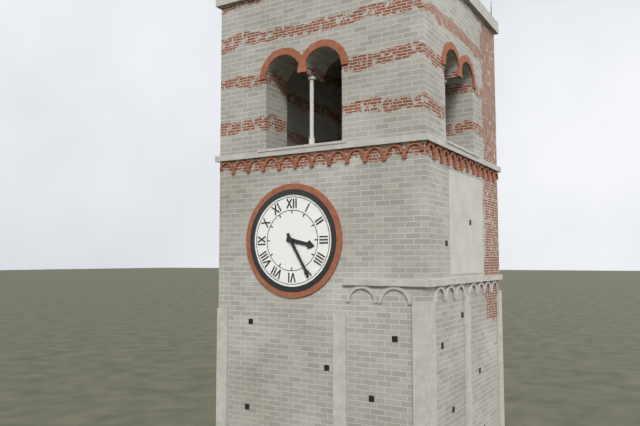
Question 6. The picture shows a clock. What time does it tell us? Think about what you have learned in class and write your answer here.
3:25
